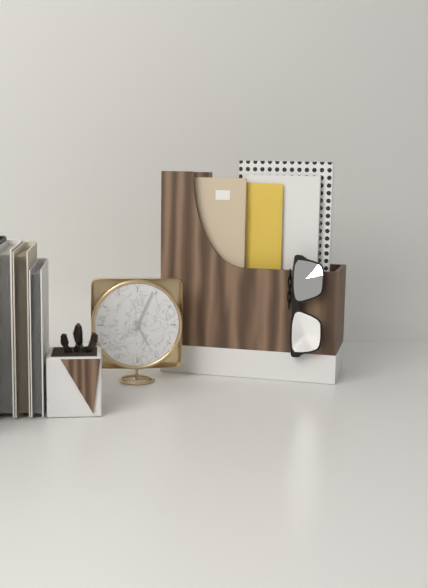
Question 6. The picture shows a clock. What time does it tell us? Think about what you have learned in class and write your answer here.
5:04
